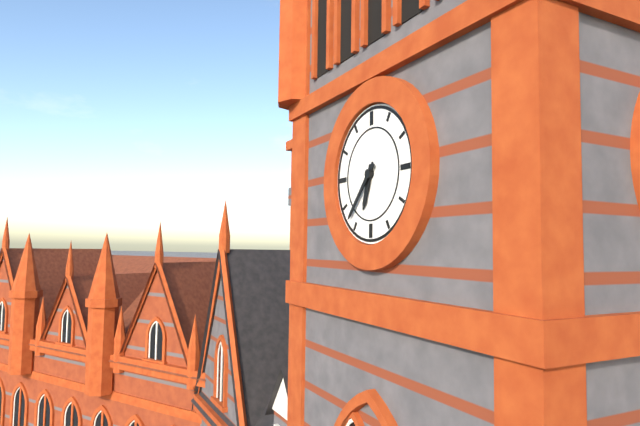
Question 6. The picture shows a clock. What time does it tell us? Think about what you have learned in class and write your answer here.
6:37
